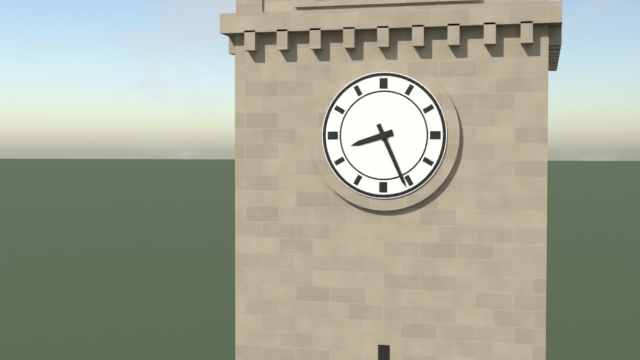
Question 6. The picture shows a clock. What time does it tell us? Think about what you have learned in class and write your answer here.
8:26
